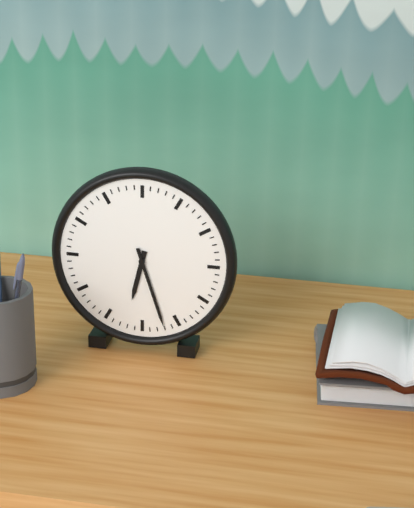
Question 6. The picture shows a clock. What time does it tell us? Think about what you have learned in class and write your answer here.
6:27
